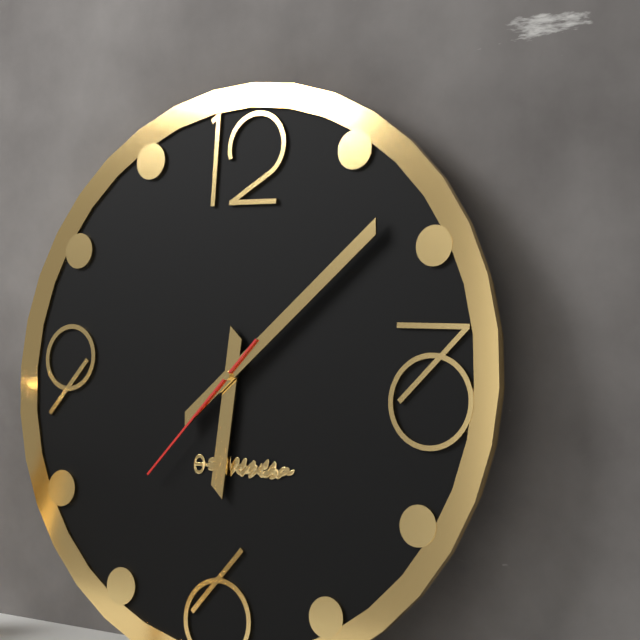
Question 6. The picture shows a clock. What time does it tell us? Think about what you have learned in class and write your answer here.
6:08:37
